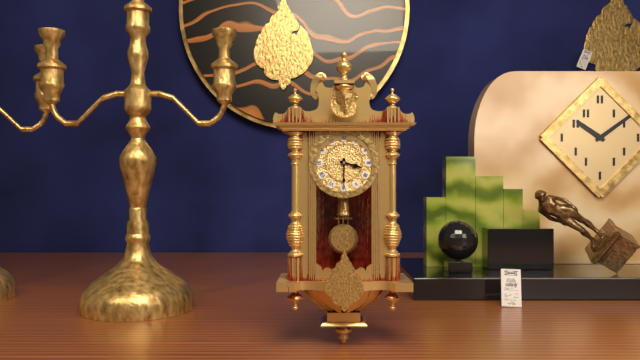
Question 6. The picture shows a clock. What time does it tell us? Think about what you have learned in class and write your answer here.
3:30
